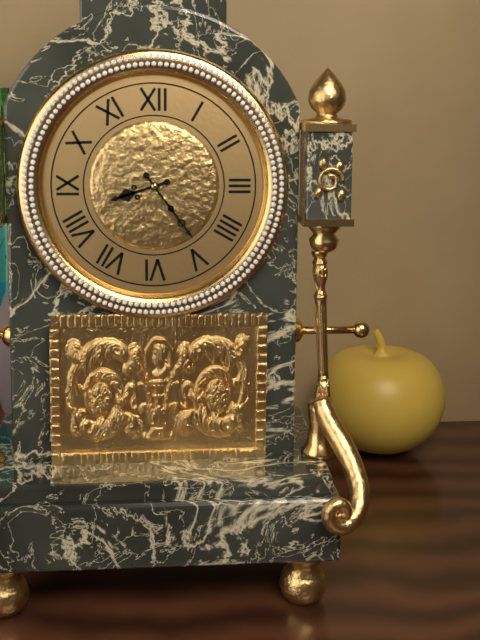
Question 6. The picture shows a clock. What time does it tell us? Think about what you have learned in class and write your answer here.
8:24
